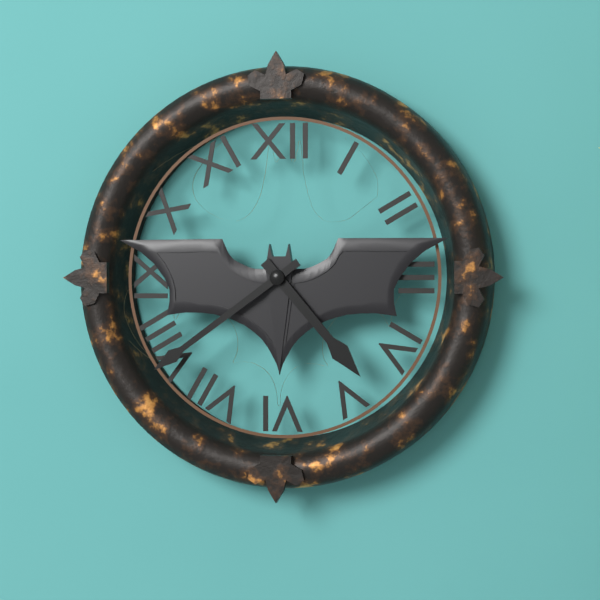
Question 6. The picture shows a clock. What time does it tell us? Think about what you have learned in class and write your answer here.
4:39
